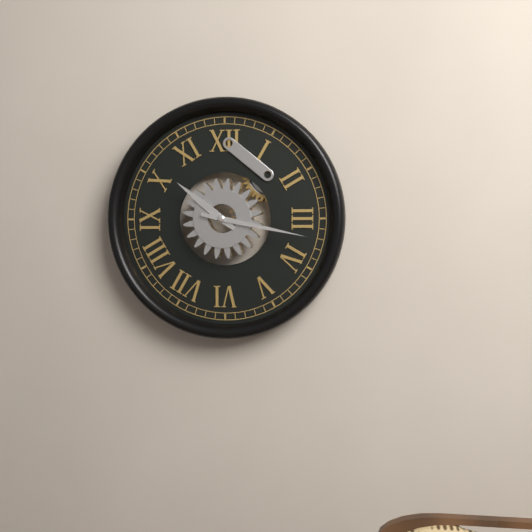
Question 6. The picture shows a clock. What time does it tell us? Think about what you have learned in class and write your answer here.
10:17
